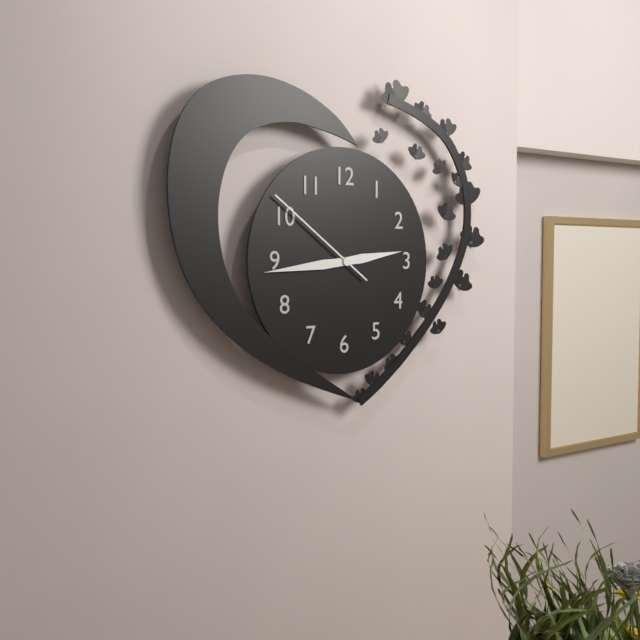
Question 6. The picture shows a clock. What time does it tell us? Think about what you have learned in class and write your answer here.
2:44:51
